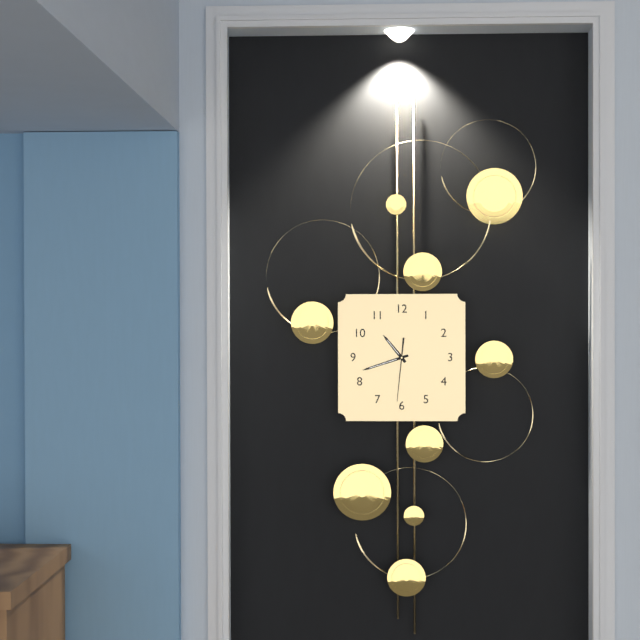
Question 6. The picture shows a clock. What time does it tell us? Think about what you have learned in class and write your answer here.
10:42:31
